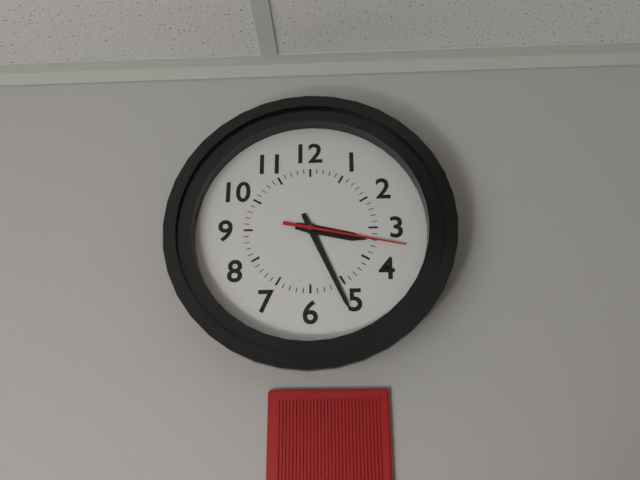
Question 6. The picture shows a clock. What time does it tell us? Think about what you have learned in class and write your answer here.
3:26:17
